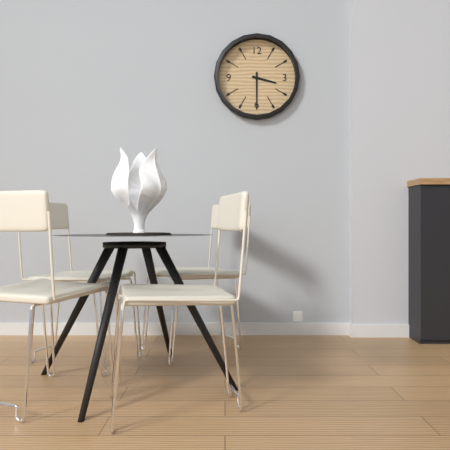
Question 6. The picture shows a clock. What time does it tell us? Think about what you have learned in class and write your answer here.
3:30
